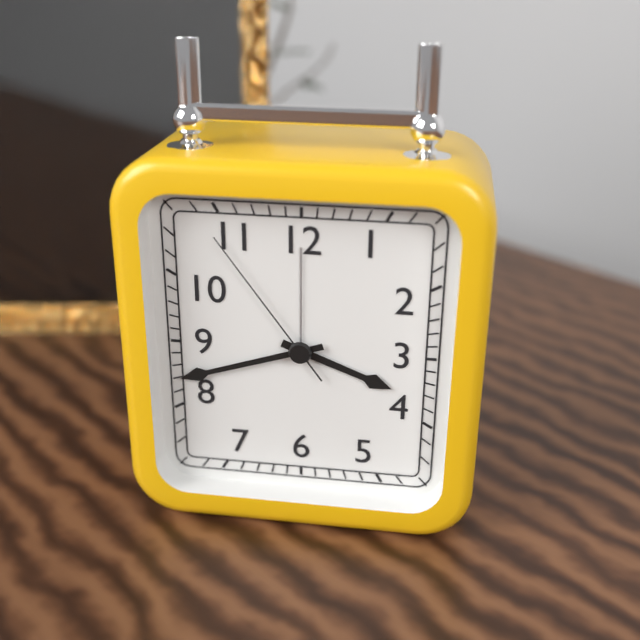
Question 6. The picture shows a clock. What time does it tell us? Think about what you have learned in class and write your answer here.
3:42:54
